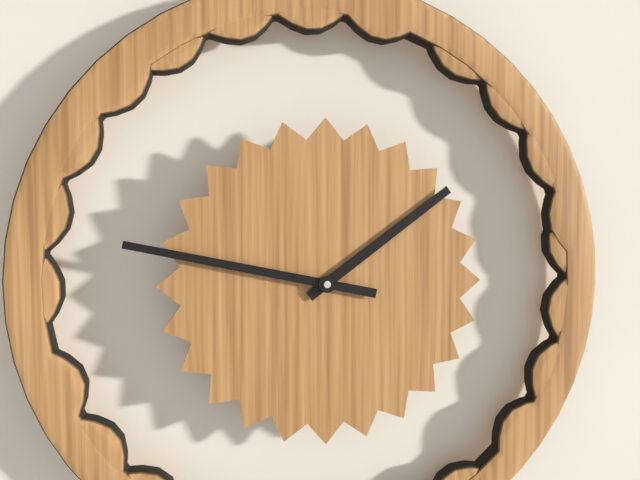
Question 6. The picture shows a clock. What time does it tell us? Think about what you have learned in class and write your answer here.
1:47
